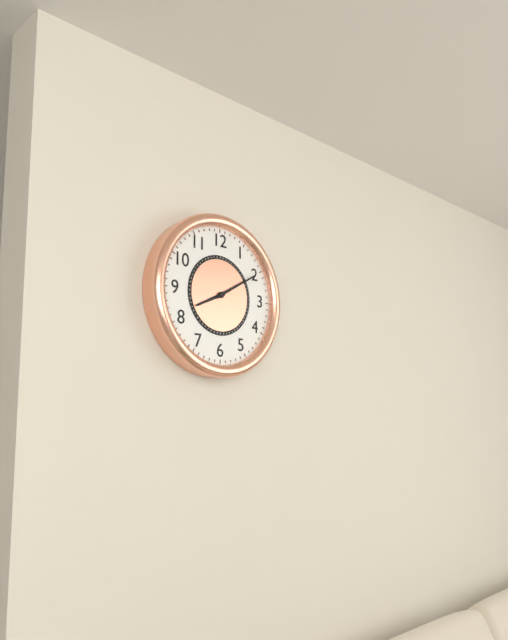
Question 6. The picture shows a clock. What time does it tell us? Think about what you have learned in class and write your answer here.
8:10
